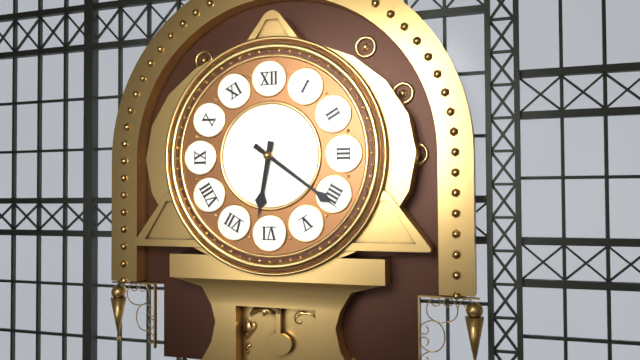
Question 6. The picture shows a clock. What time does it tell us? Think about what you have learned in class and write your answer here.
6:21
